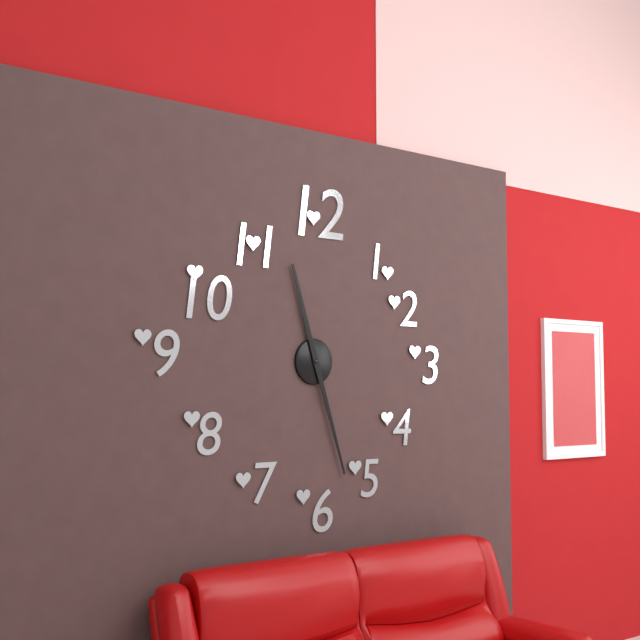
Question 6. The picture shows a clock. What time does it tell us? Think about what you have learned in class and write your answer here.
11:27
